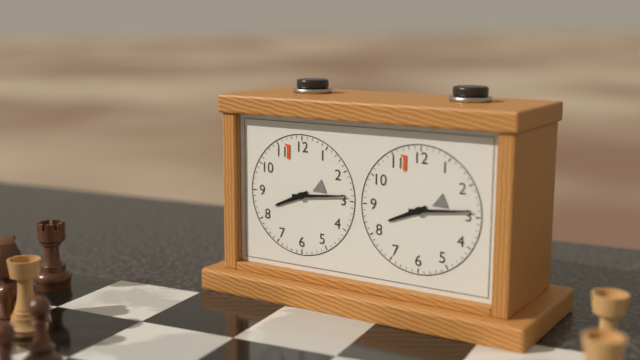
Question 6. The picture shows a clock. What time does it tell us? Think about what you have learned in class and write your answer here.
8:14
